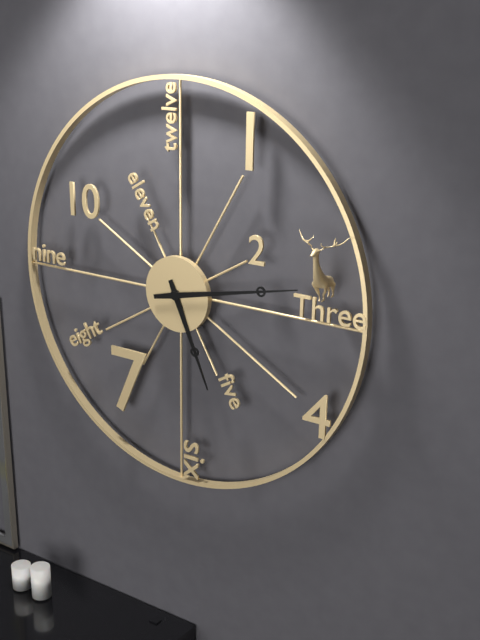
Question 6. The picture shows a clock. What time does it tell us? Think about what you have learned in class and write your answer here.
5:13
